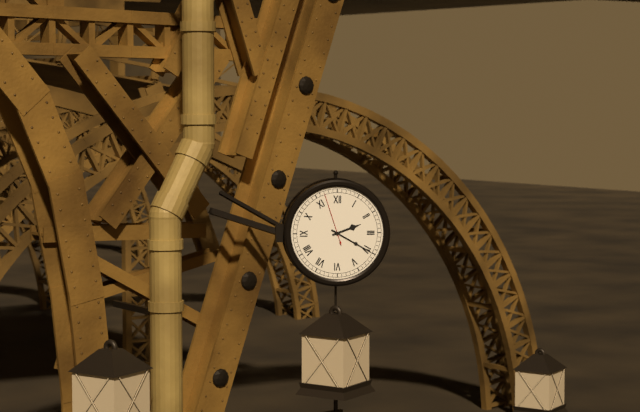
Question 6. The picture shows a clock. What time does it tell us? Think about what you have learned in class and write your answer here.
2:20:57
